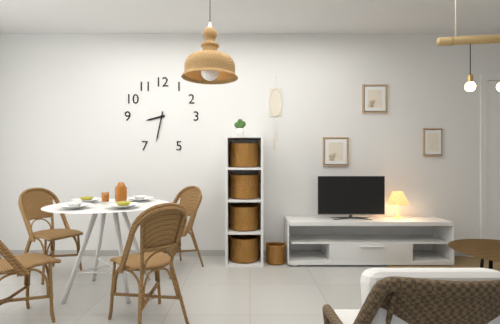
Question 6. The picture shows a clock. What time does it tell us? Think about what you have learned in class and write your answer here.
8:32
